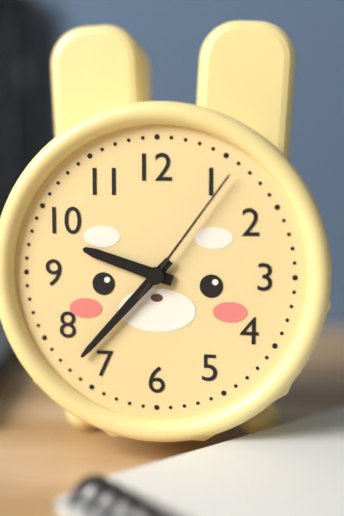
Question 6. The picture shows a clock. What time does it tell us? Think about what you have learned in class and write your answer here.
9:37:06
